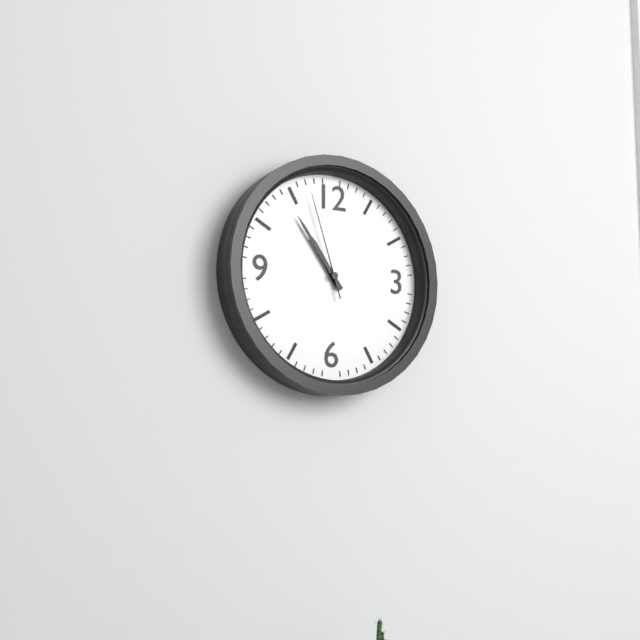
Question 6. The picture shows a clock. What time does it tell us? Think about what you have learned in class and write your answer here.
10:54:57
